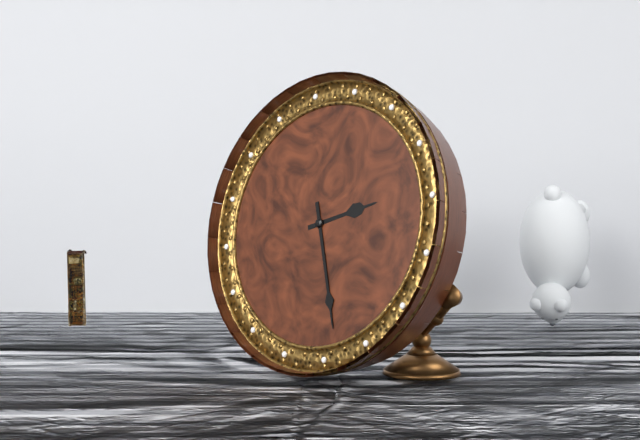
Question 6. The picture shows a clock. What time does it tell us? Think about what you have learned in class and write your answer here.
2:27
